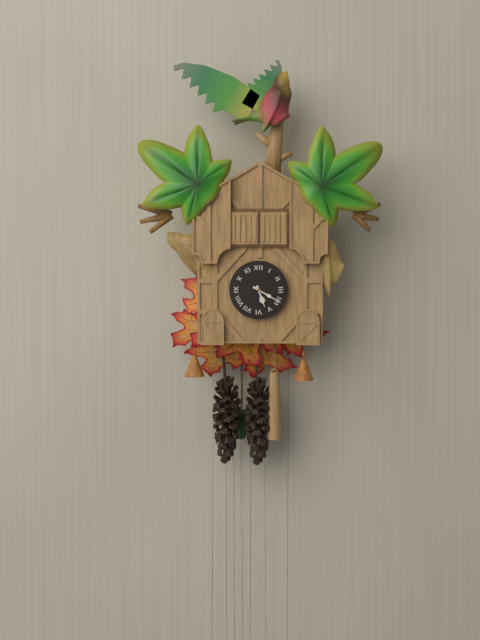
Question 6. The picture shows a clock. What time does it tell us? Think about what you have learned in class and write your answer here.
5:20
